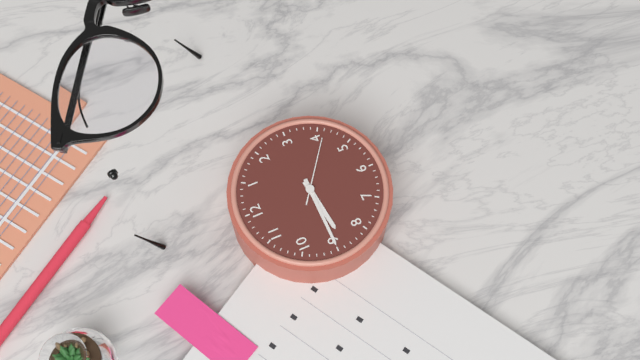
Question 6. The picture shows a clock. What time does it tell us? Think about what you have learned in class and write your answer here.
8:45:21
